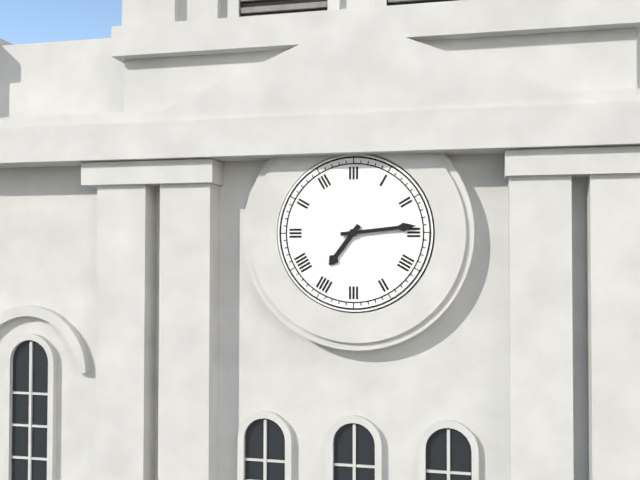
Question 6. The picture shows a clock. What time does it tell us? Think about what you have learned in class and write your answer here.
7:14
